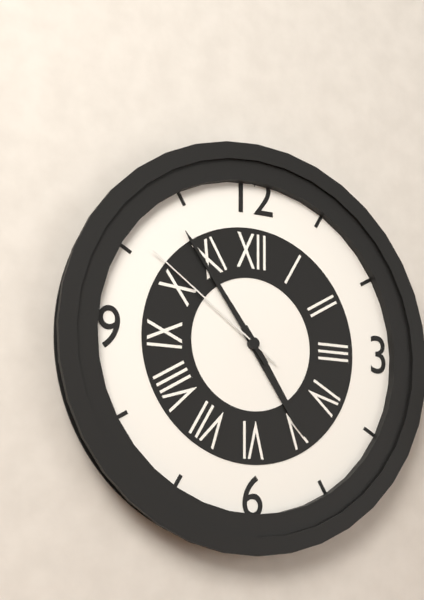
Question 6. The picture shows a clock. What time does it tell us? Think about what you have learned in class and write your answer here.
4:54:51
